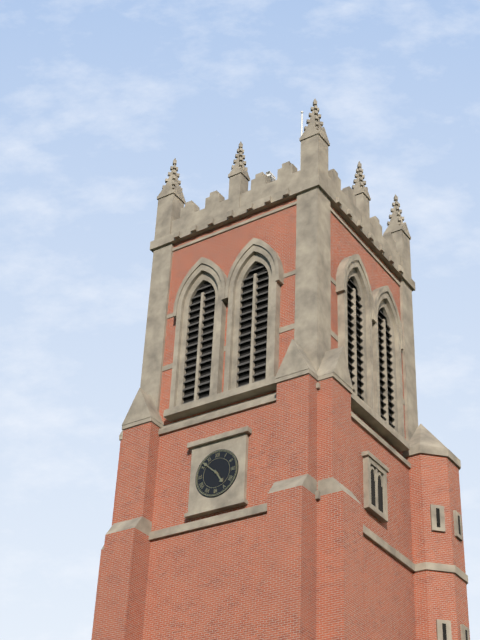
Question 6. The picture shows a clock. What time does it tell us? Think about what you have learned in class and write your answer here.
4:52
